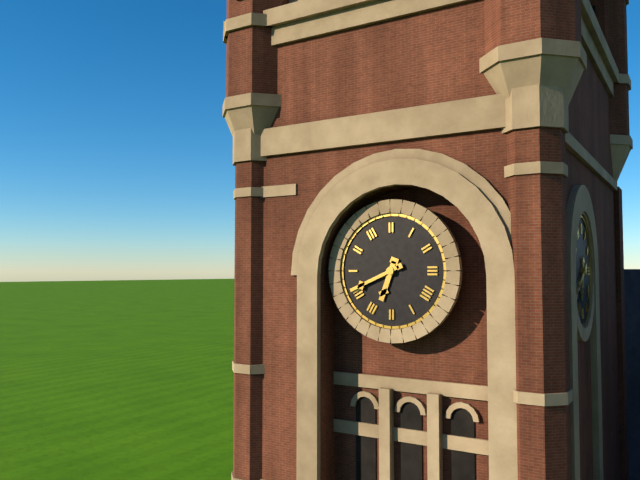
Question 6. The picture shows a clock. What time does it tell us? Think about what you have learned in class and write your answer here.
6:41
